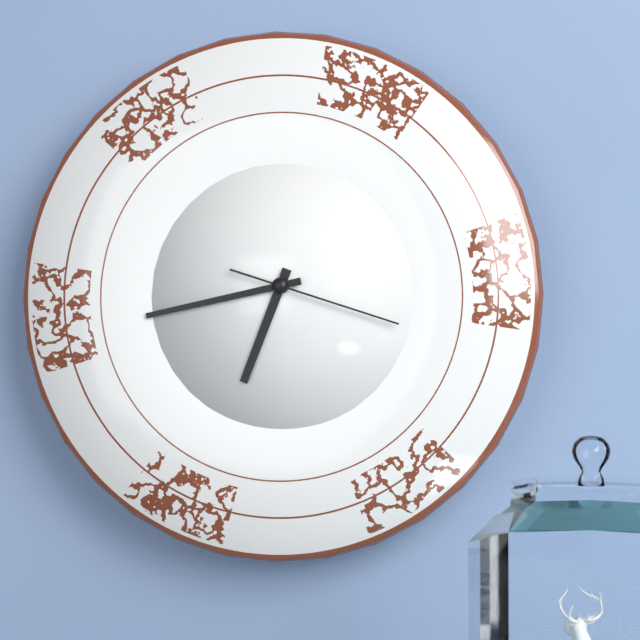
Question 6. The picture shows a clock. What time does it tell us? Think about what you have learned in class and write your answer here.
6:43:18
